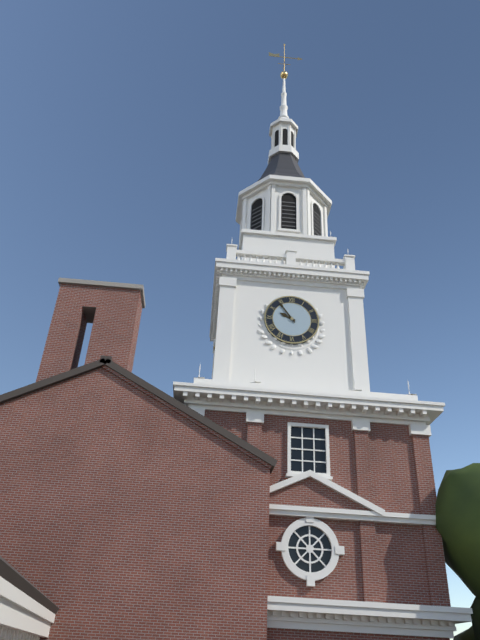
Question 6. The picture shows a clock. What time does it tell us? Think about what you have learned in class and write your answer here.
9:54
